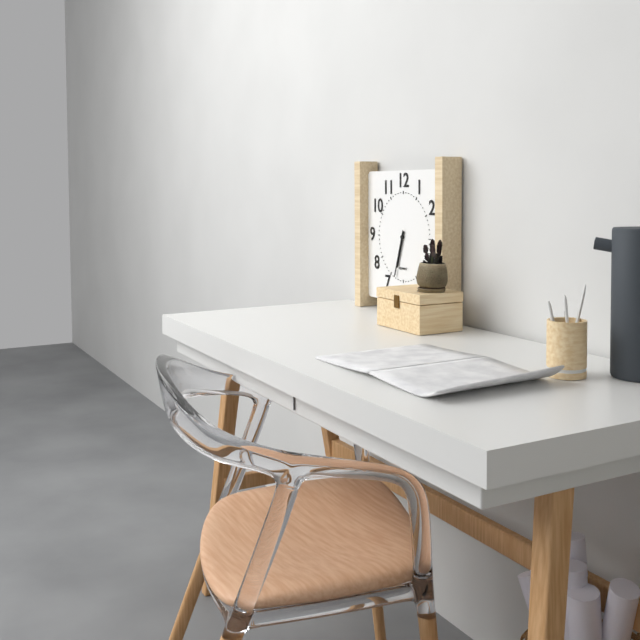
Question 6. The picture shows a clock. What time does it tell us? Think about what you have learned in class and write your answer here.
6:33
